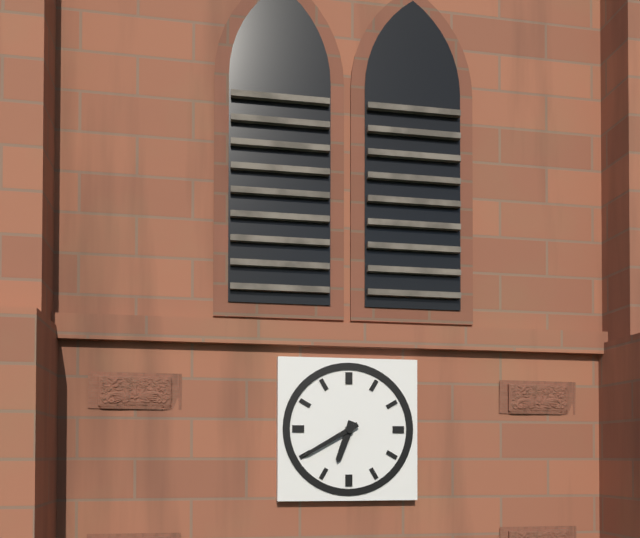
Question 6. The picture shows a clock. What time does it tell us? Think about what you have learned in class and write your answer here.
6:40
